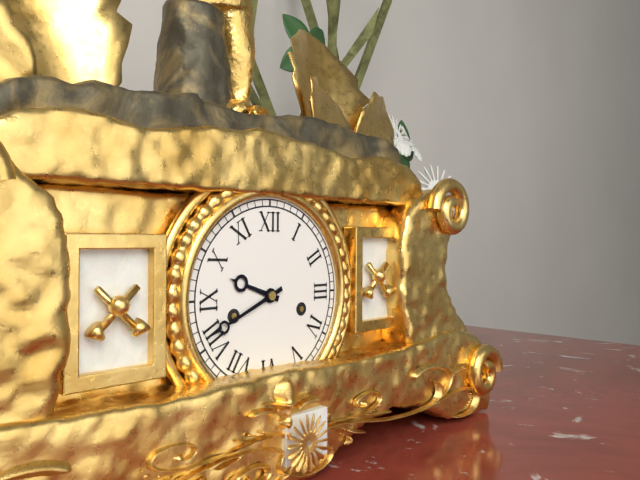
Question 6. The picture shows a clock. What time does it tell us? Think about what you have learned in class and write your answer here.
9:41
